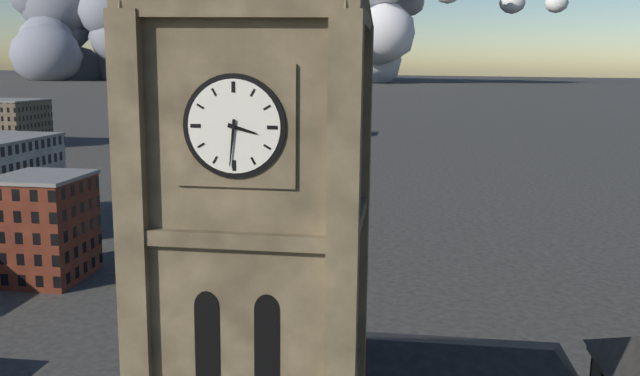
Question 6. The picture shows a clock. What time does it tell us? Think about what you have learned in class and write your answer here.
3:31
